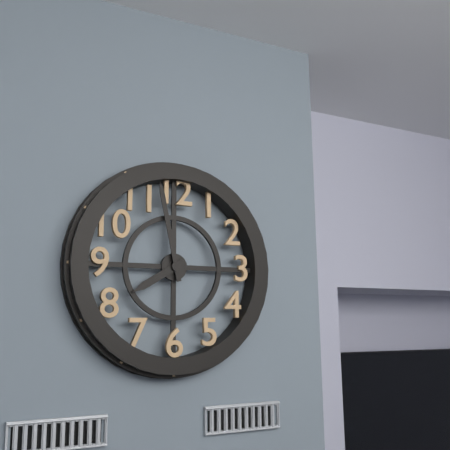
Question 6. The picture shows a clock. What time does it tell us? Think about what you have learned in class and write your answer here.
7:58
